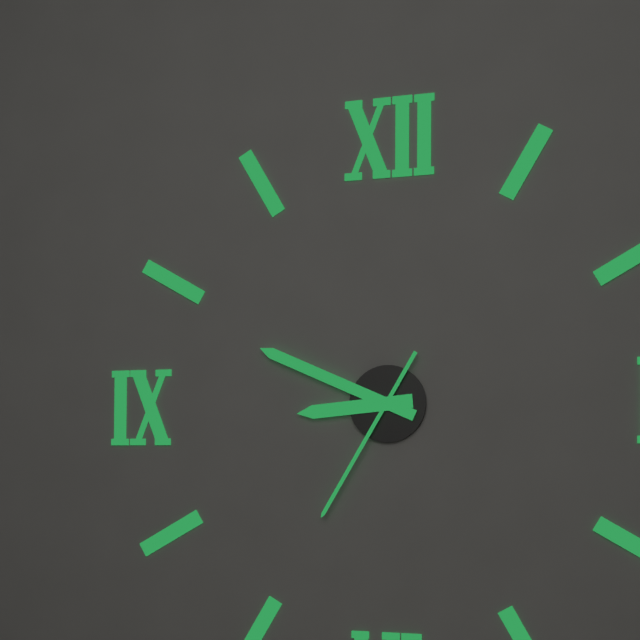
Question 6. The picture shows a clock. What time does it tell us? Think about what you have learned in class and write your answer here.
8:49:35
